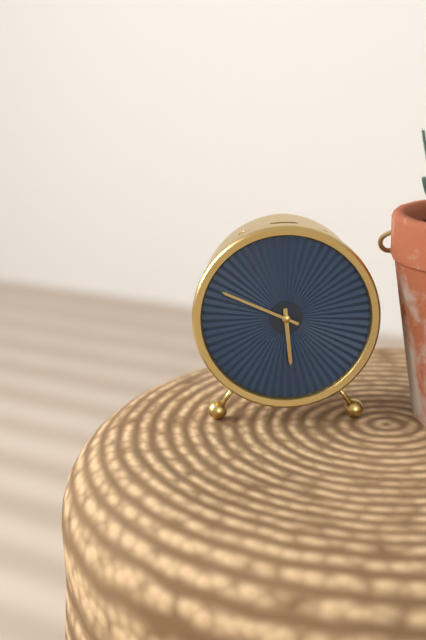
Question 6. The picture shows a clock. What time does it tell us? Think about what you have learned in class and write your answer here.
5:49
